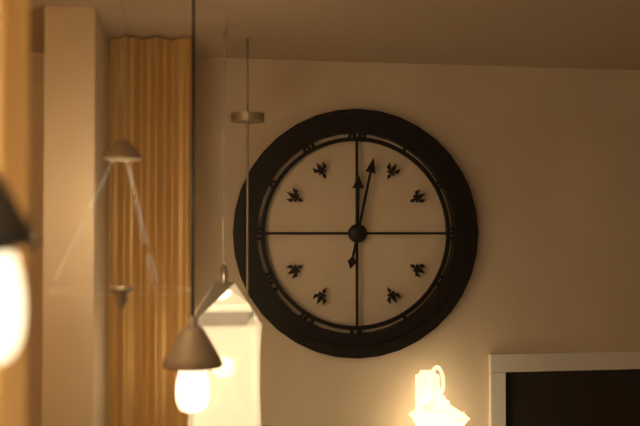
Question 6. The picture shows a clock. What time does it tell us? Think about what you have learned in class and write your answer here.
12:02
